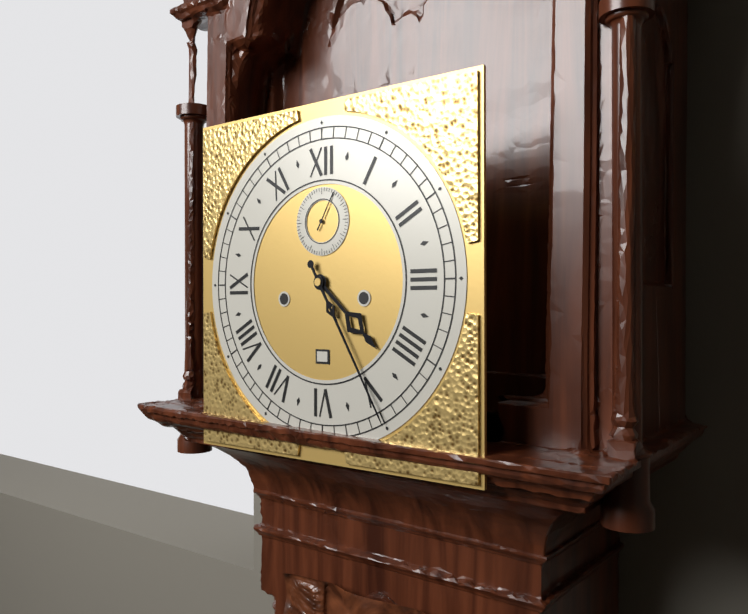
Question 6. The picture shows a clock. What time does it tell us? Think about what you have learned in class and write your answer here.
4:25
